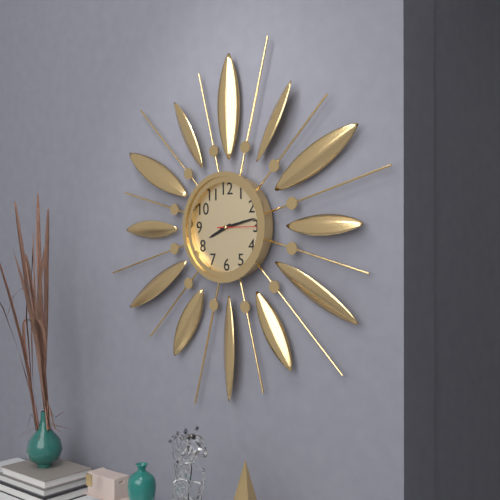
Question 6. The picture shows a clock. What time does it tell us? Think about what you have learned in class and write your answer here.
8:13
